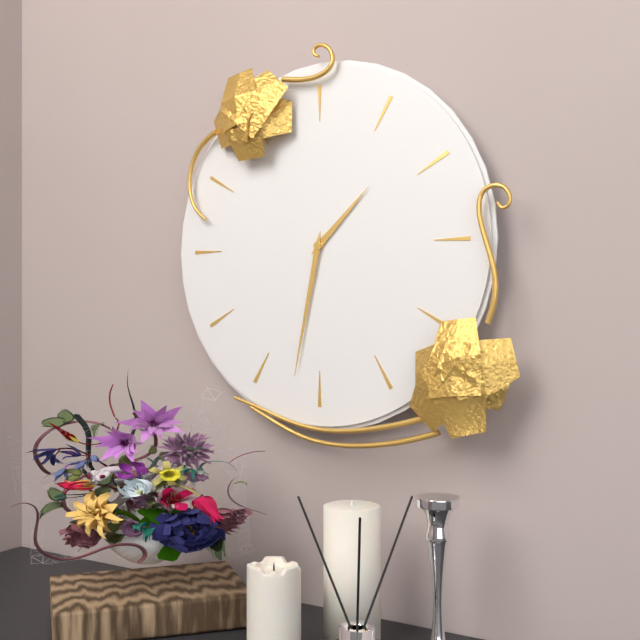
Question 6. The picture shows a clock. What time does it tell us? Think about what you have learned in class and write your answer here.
1:32
